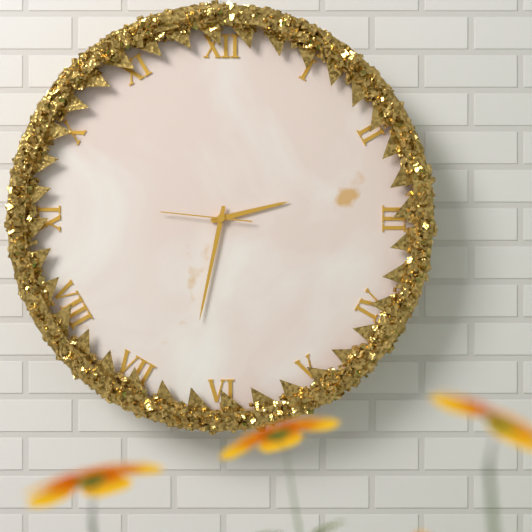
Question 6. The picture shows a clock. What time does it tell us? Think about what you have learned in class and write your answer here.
2:32:46
